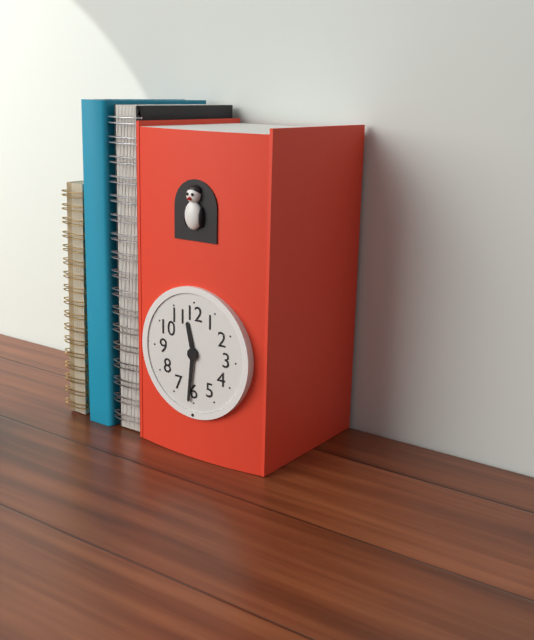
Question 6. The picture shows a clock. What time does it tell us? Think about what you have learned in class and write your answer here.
11:31
